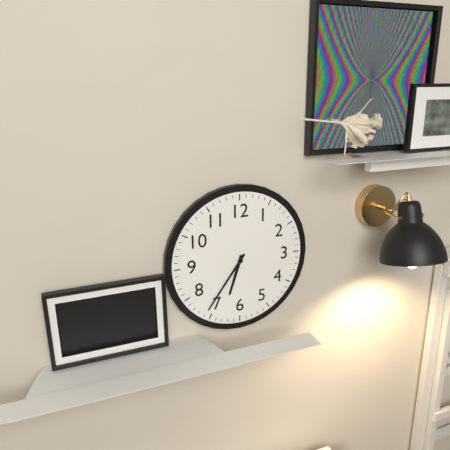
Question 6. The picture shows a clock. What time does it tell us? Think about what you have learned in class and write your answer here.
6:36
